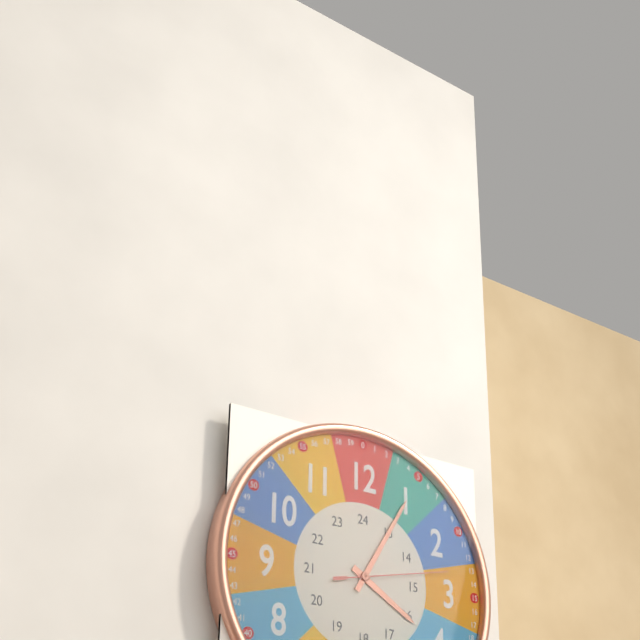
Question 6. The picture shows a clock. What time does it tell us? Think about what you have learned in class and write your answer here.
4:05:13
